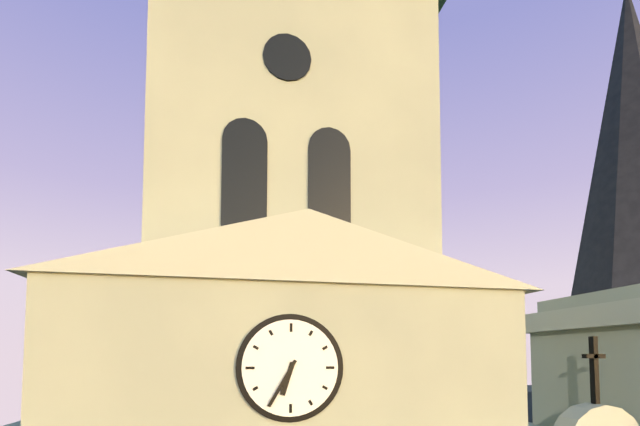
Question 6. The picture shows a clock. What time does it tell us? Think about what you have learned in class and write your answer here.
6:35
